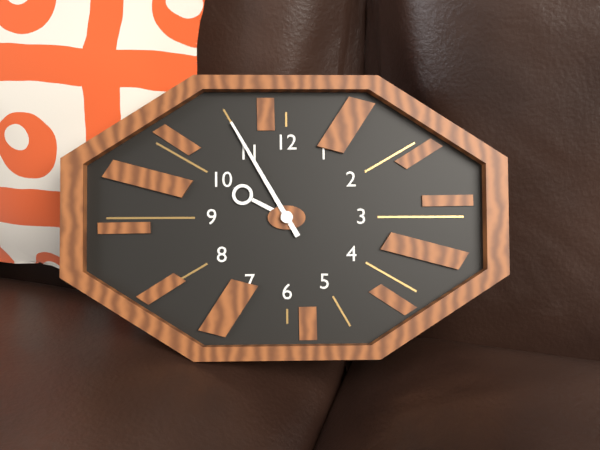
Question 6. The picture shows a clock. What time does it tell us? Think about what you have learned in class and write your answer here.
9:55
